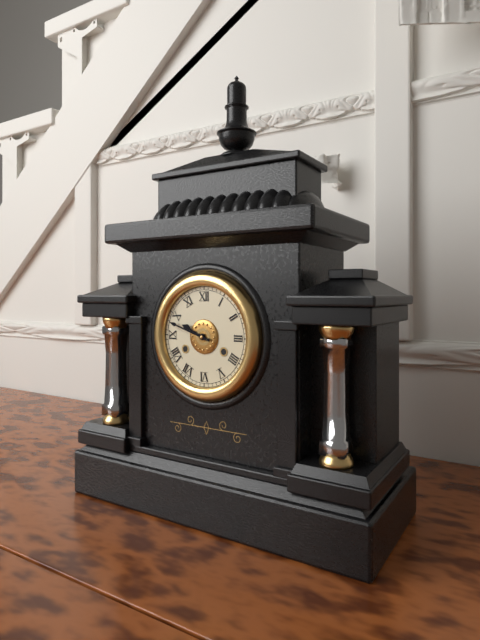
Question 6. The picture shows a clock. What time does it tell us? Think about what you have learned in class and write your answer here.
9:48
